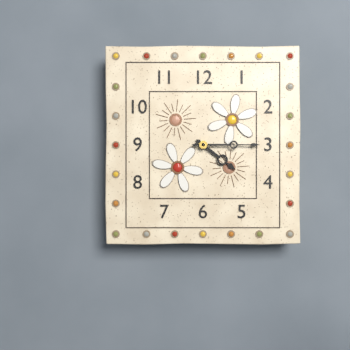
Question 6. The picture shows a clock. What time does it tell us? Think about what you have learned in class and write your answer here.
4:15
